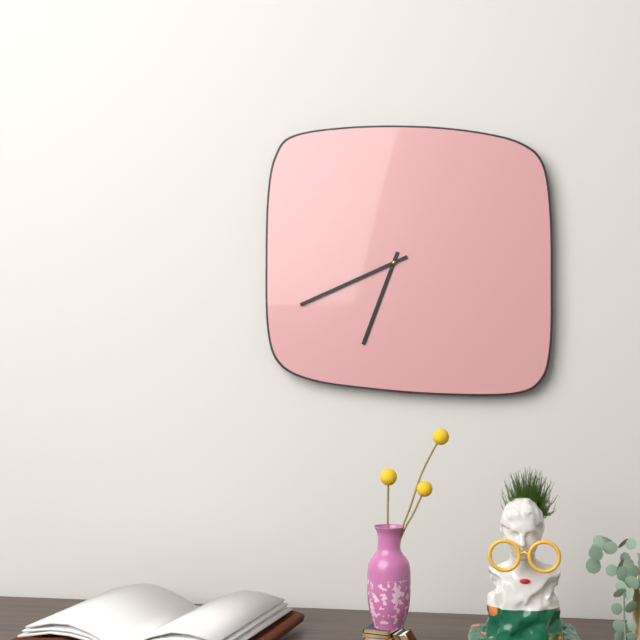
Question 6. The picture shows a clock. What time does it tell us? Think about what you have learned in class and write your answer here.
6:41
